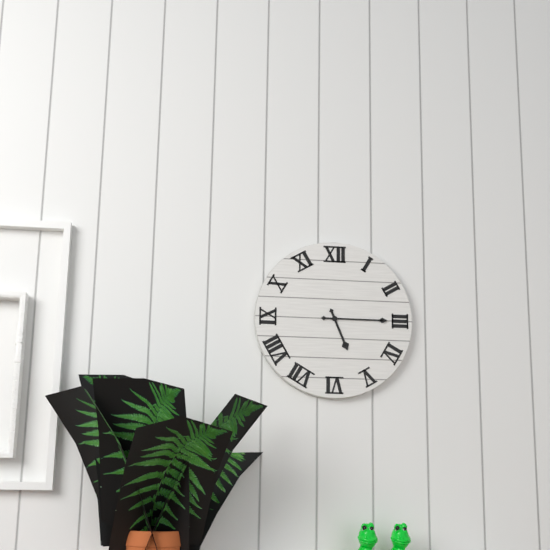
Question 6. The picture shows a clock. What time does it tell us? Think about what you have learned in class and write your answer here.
5:15
